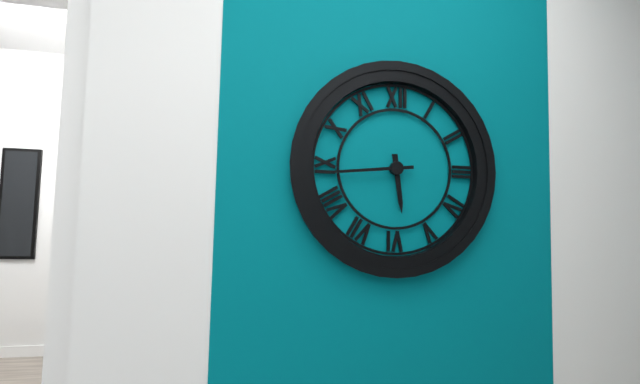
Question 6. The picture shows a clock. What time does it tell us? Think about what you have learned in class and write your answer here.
5:44
